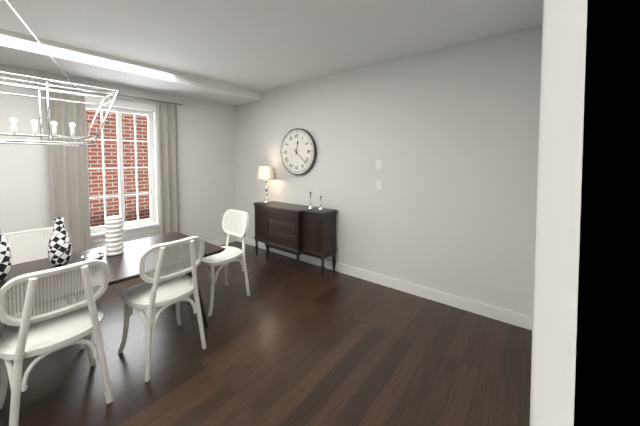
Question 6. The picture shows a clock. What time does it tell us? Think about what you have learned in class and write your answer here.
12:22
